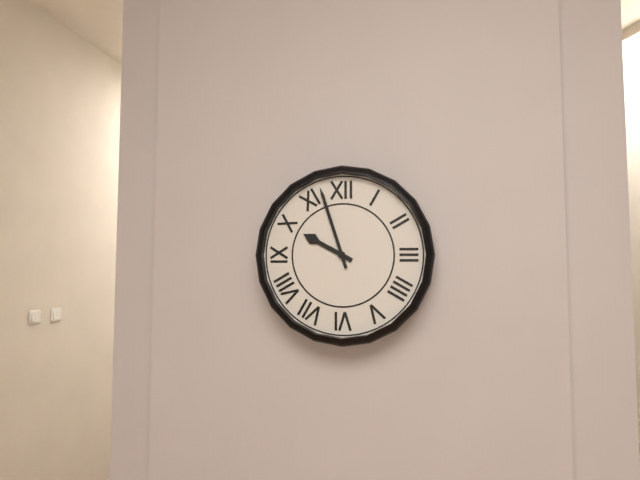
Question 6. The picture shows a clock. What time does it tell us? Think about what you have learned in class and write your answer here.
9:57
